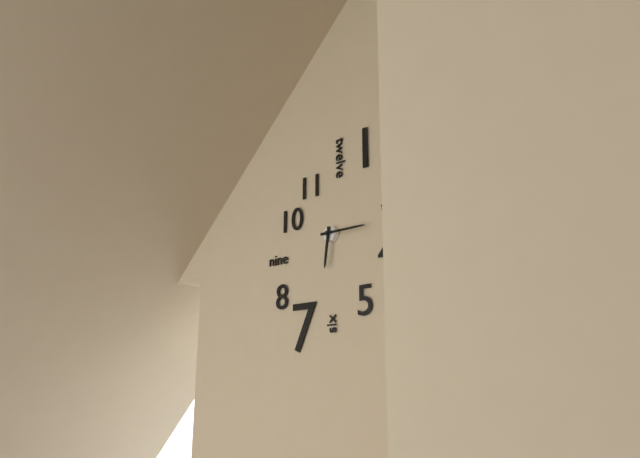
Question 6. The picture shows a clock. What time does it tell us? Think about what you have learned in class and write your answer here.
6:15
